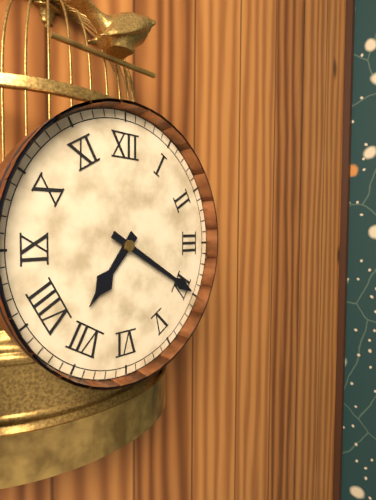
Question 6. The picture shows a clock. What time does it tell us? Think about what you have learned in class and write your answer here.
7:20
